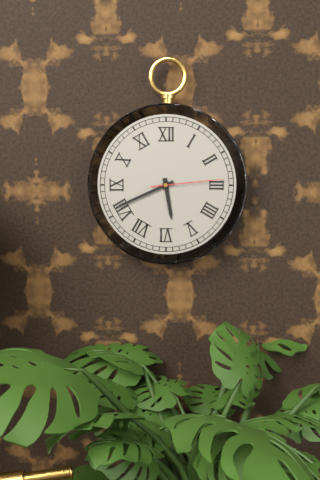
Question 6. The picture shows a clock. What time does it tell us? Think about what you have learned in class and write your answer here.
5:41:14
